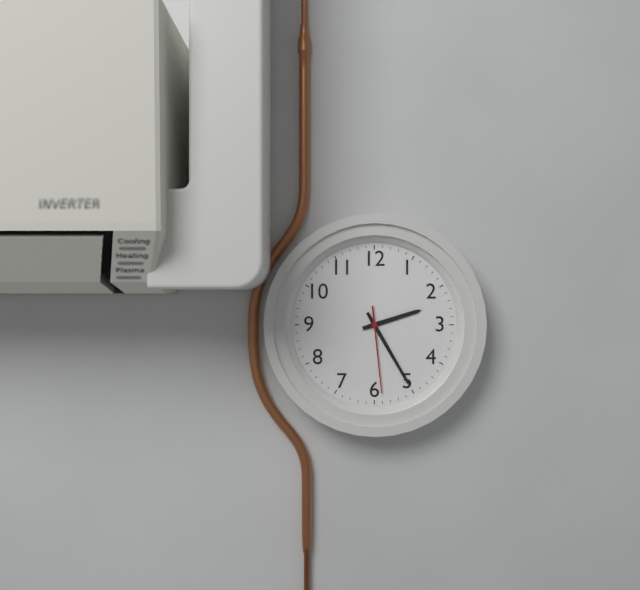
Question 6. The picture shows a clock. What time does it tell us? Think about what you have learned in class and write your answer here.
2:25:29
